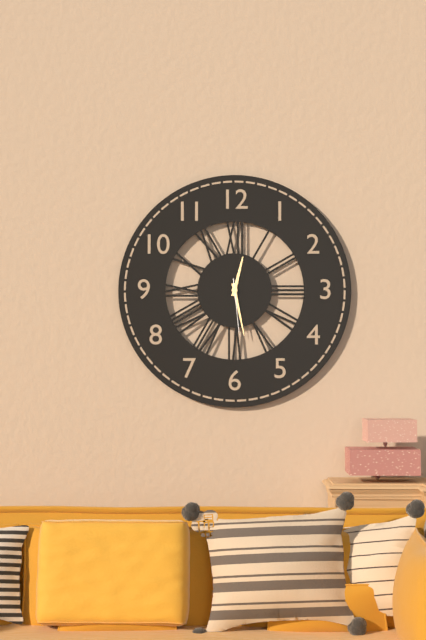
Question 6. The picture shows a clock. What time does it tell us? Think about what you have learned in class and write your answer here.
12:28:29
